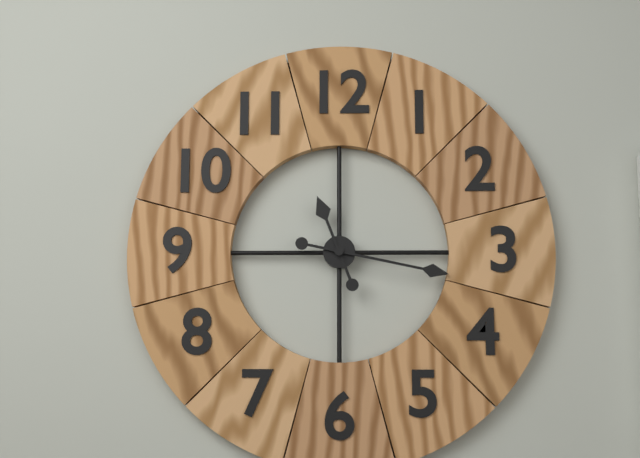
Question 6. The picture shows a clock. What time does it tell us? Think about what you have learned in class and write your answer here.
11:17
